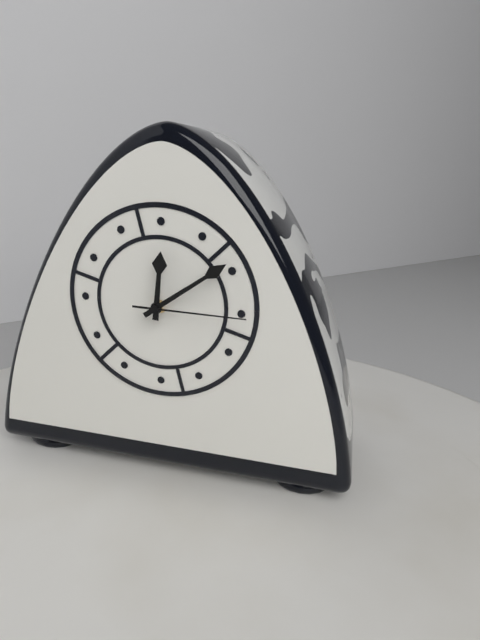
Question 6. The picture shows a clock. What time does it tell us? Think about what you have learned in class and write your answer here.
12:09:15
